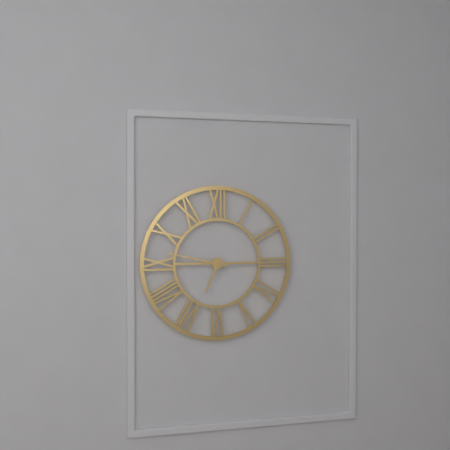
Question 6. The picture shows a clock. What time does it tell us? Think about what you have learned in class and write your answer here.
6:47
